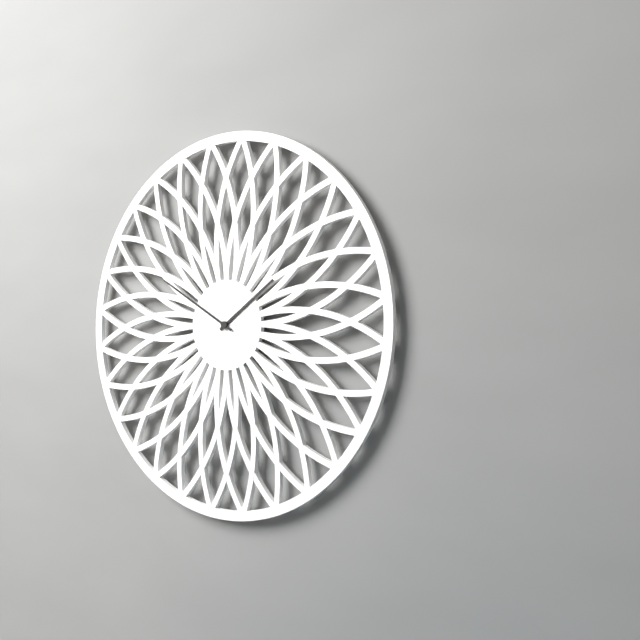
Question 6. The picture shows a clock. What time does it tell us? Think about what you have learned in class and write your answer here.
1:50
